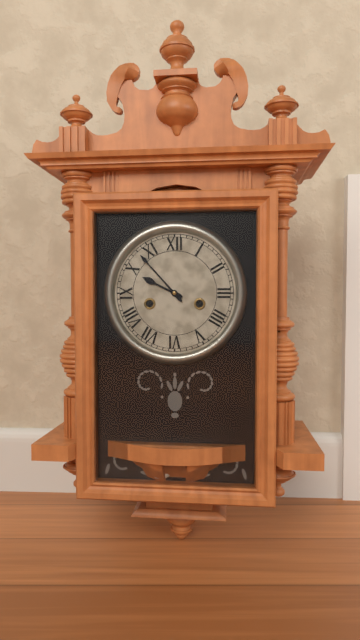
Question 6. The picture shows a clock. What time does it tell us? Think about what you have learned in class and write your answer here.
9:53
